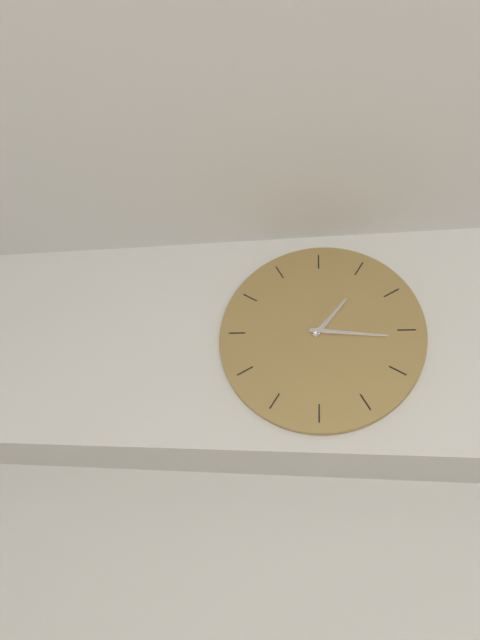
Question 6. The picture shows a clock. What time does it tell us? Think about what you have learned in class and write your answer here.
1:16
